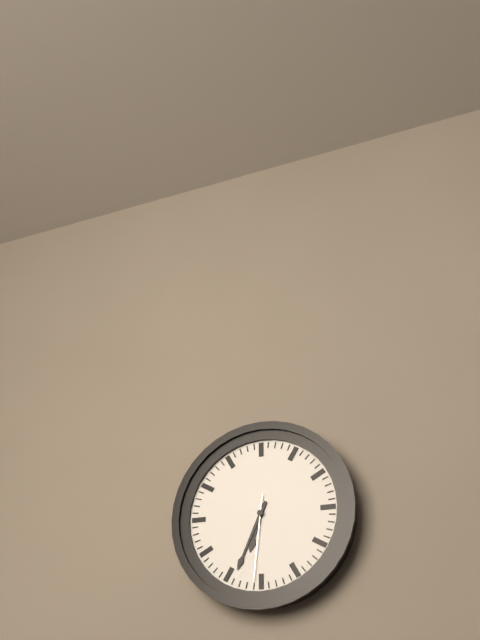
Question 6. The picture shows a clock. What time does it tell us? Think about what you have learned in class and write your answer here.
6:34:31
